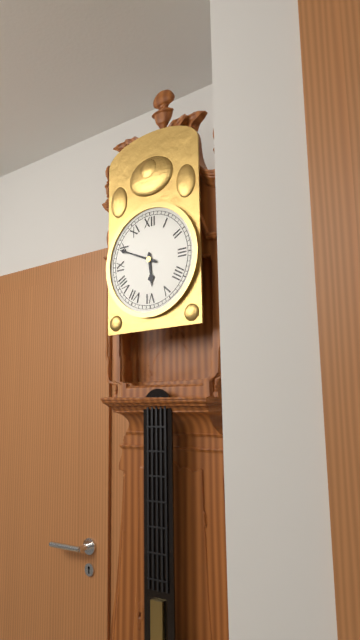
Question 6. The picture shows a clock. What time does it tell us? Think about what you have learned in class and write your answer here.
5:49
